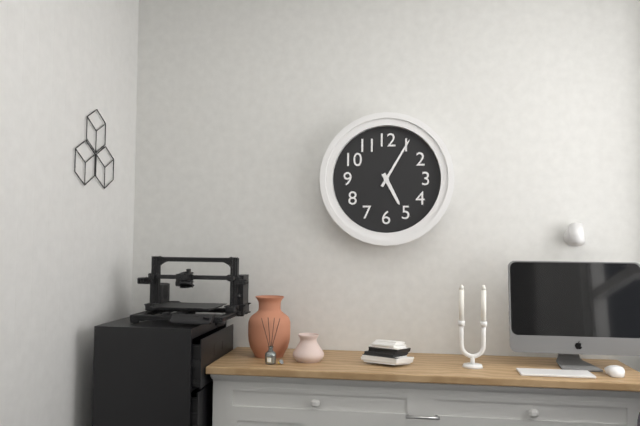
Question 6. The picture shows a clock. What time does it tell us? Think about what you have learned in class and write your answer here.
5:05
